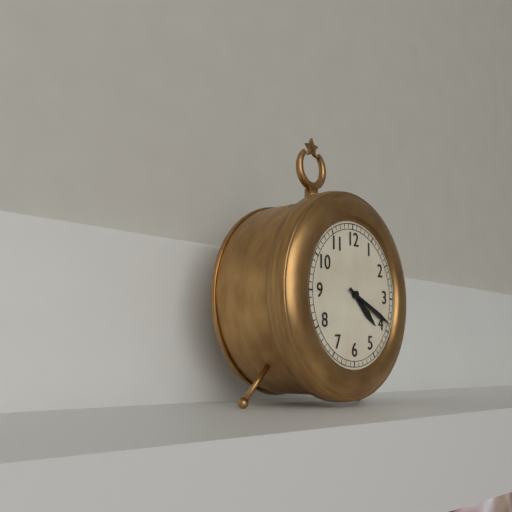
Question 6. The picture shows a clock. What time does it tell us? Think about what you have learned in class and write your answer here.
4:19
